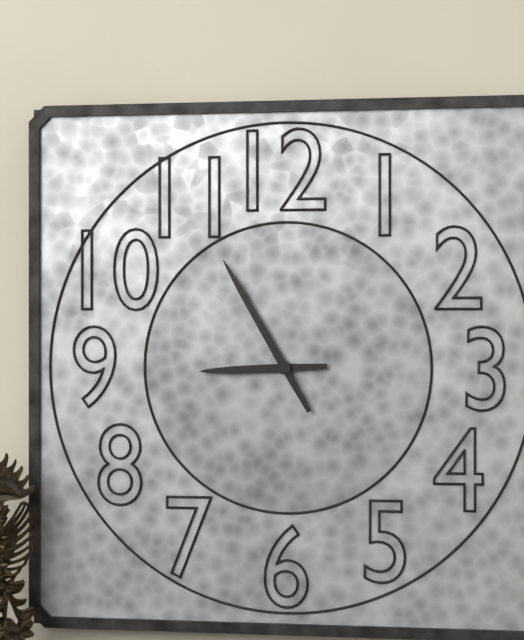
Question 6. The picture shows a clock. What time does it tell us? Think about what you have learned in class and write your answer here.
8:55
